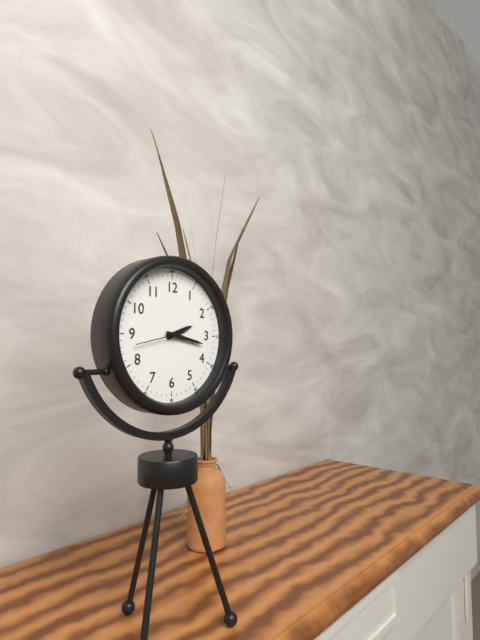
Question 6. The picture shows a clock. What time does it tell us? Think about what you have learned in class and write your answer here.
2:17
